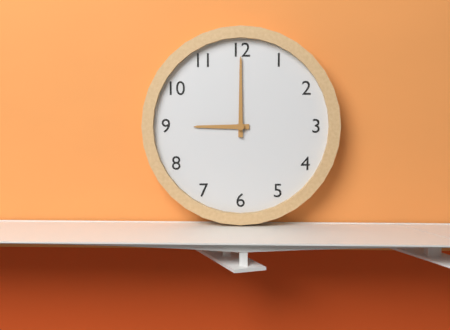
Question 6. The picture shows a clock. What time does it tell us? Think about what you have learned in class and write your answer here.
9:00
